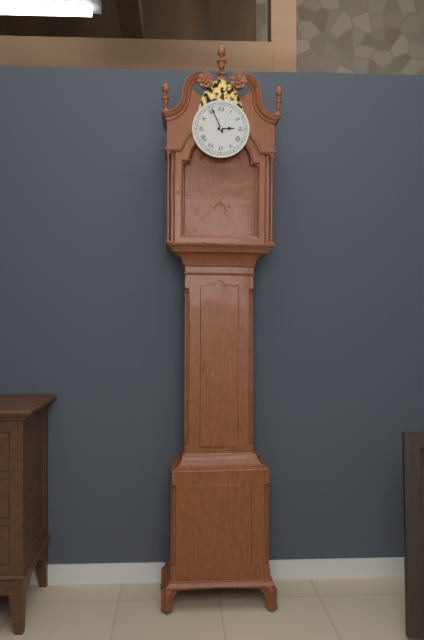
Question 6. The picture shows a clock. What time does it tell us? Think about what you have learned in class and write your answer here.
2:56
